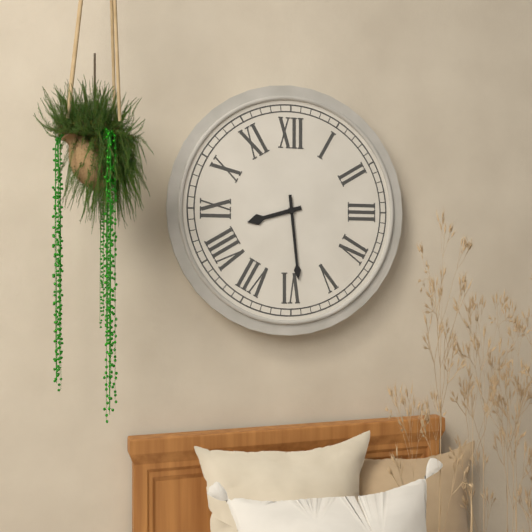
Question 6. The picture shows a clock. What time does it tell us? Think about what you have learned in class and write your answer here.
8:29
